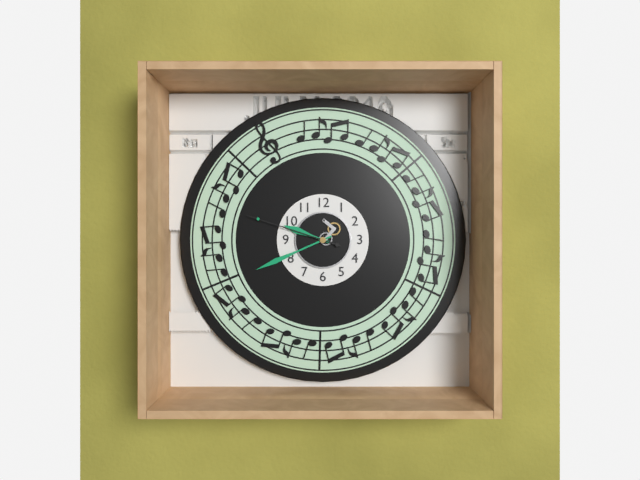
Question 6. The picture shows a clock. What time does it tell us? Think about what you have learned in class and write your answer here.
9:41:48
